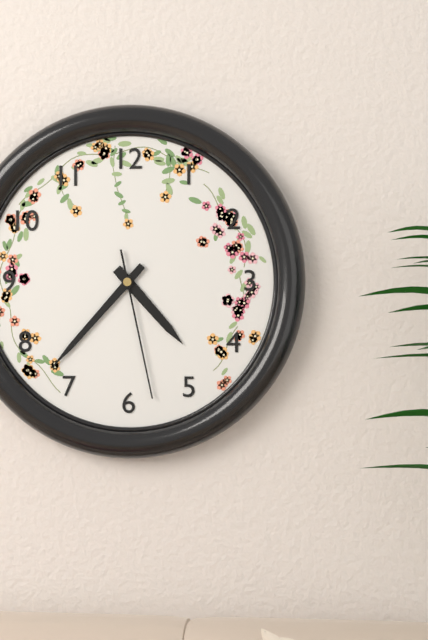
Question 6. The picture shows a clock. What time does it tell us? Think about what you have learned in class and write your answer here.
4:37:28
